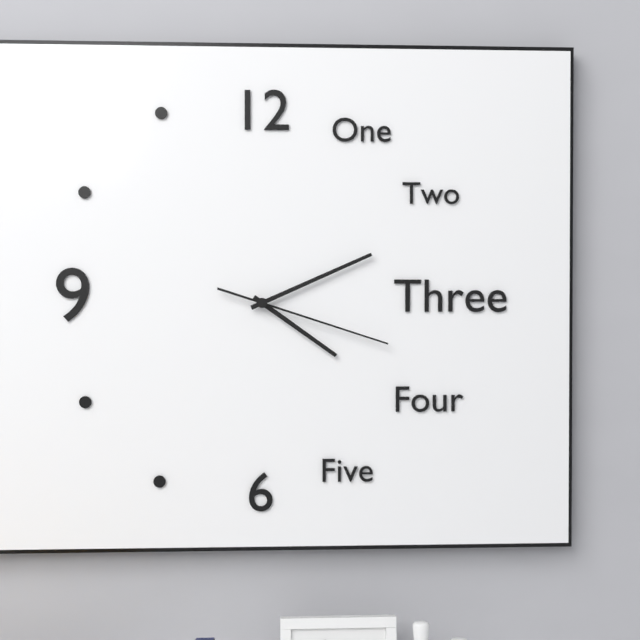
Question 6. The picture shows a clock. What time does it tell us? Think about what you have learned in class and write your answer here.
4:11:18
